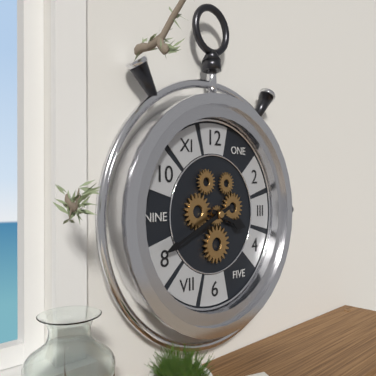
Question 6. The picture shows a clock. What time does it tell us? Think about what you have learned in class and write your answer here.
3:41
